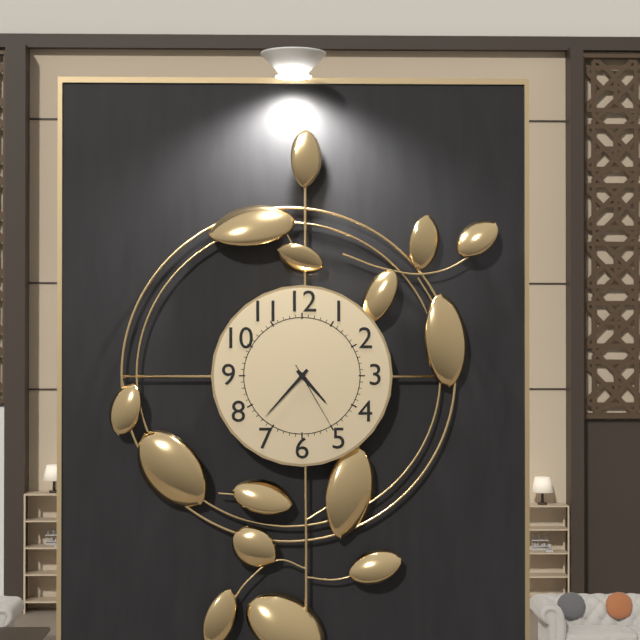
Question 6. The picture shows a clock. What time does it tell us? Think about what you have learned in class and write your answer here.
4:37:25
